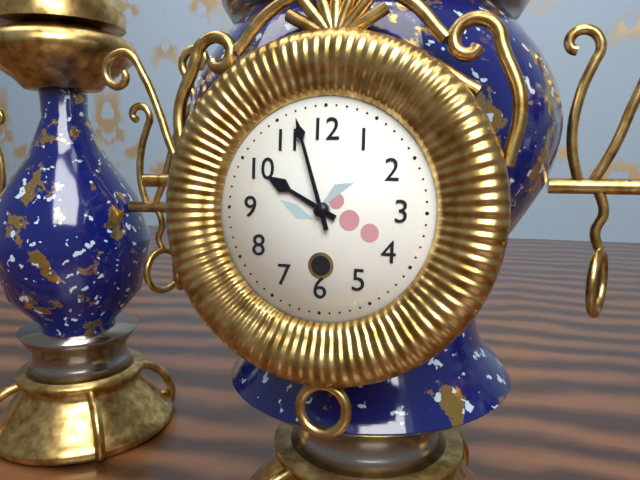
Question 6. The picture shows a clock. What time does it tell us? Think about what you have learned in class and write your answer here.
9:57
